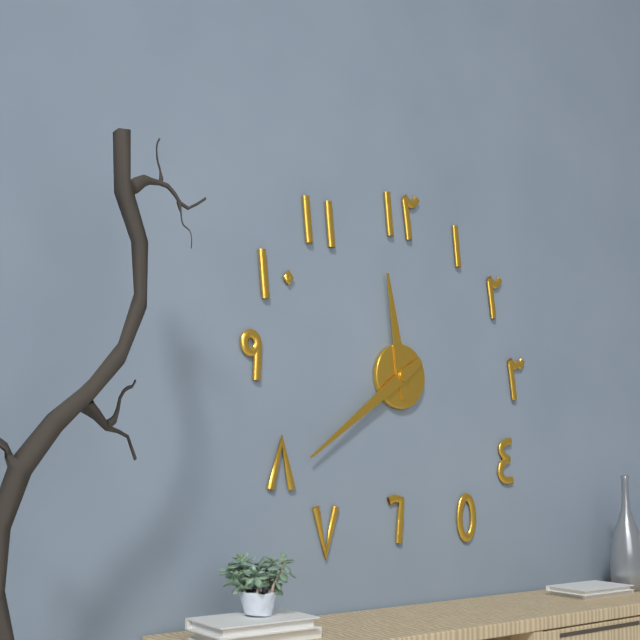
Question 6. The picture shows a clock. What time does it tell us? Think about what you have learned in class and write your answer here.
11:39
